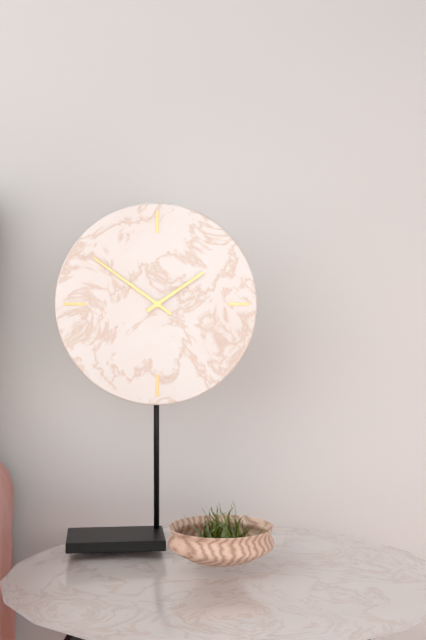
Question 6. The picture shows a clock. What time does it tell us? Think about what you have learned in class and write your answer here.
1:51
